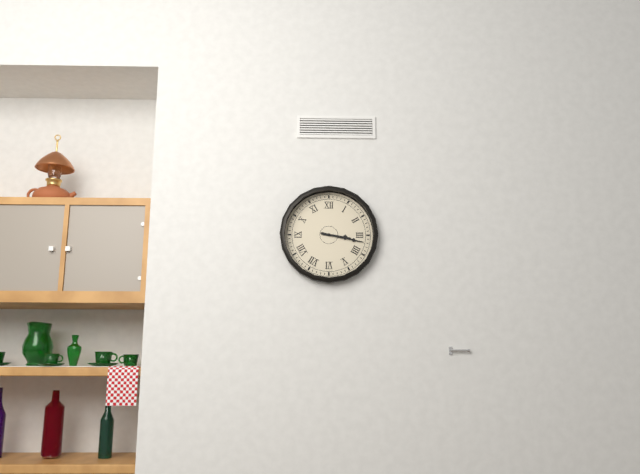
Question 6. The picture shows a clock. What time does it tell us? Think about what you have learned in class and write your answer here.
3:17
